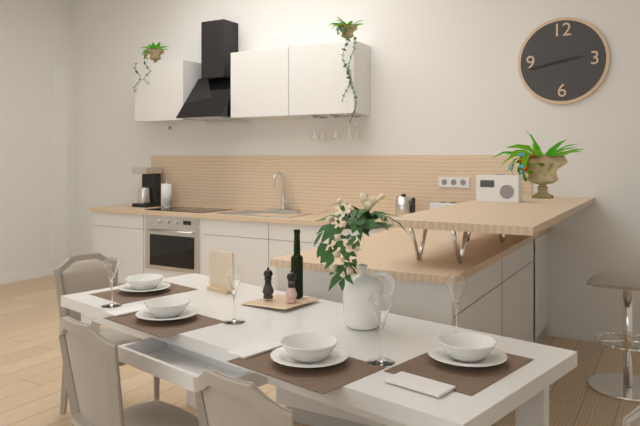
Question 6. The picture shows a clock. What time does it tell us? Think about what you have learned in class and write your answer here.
2:43
